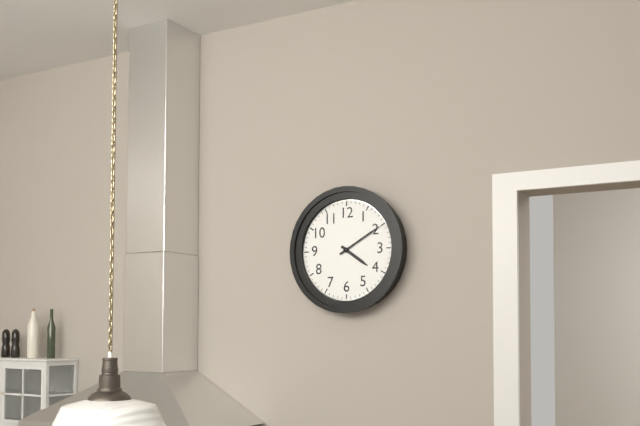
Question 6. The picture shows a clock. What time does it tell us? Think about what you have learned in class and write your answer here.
4:10
